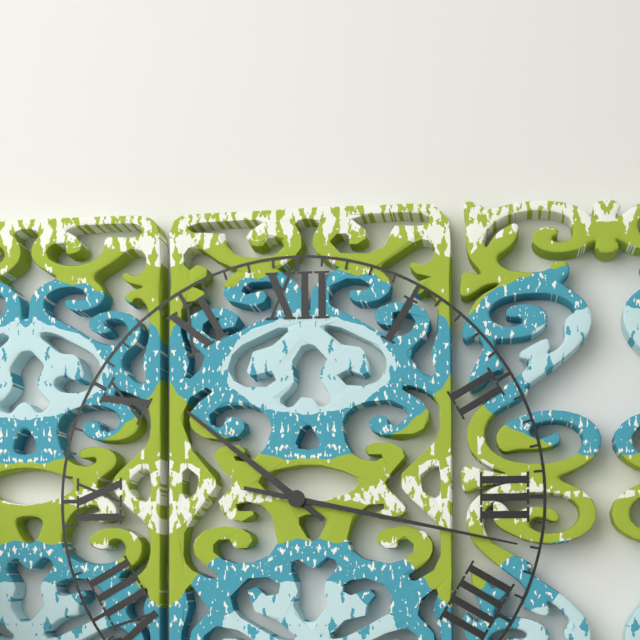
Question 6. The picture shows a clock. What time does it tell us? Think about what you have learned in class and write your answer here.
10:17
